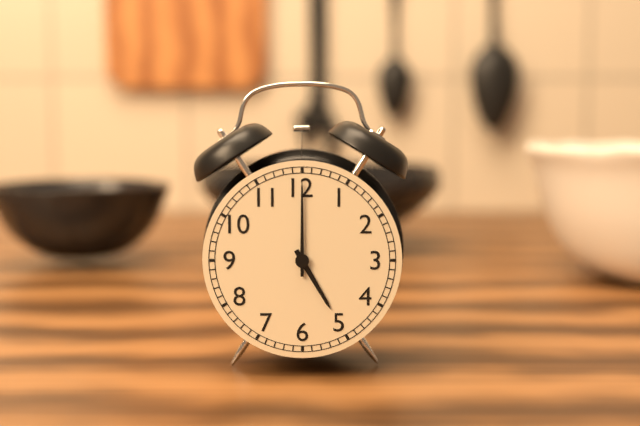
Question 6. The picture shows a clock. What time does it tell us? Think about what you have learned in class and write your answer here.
5:00
